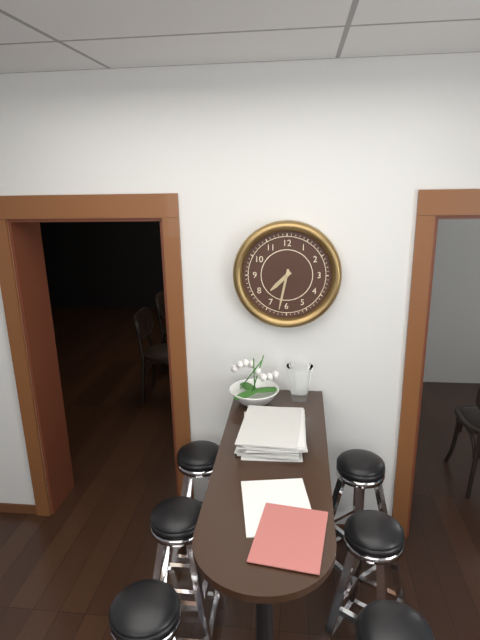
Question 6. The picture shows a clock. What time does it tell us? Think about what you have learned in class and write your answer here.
7:32
